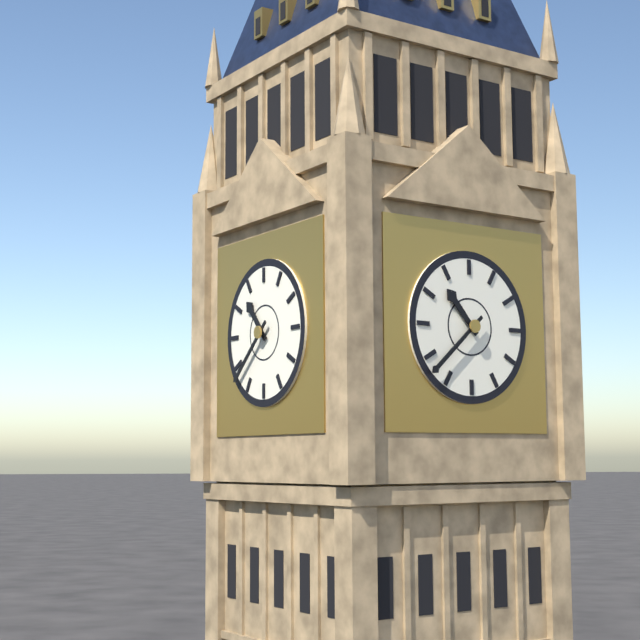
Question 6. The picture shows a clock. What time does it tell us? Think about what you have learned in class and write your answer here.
10:38
